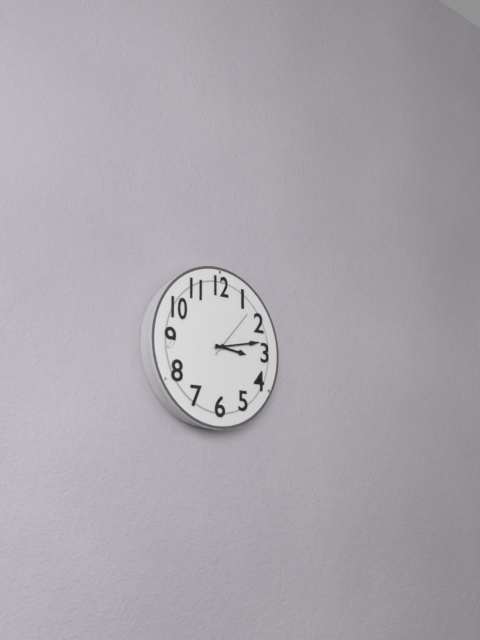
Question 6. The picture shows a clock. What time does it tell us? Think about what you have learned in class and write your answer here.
3:13:07
